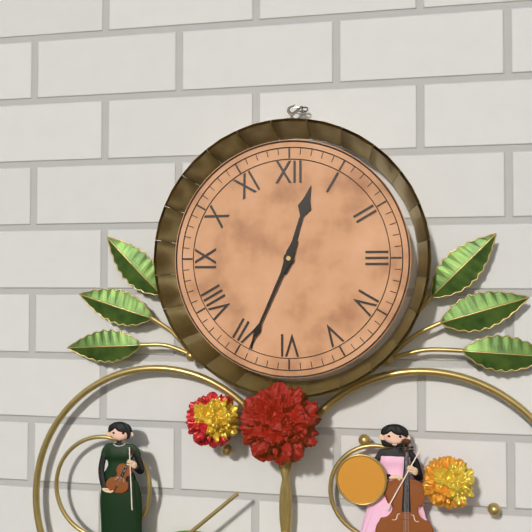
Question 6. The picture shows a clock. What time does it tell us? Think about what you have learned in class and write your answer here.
12:34
